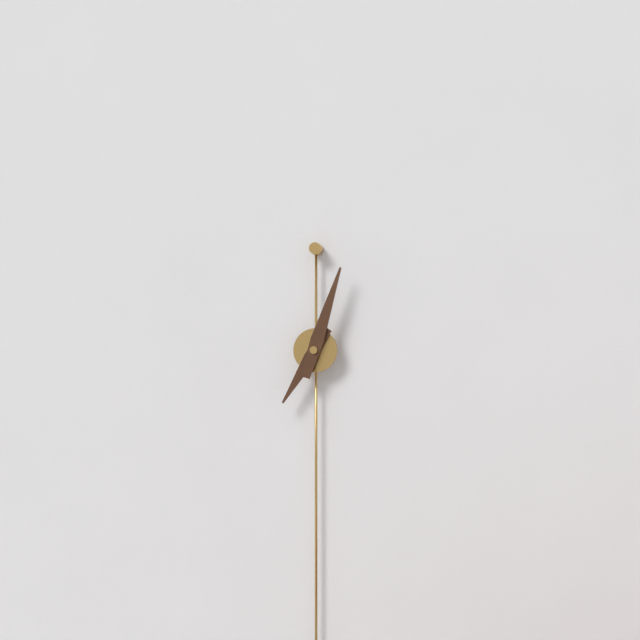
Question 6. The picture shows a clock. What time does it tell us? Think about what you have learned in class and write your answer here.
7:03
